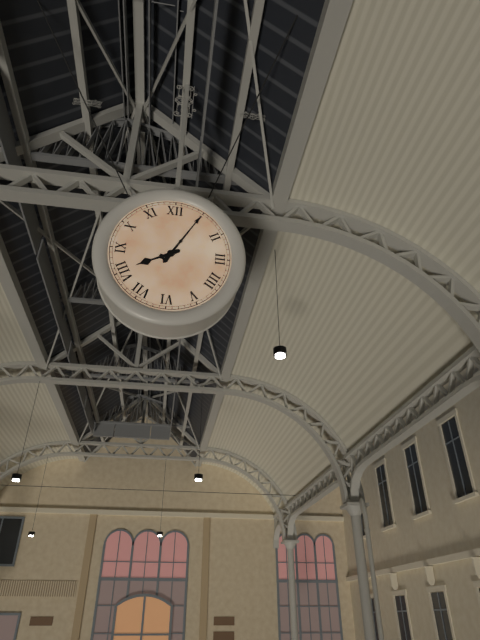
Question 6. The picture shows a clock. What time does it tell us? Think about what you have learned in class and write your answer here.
8:05
